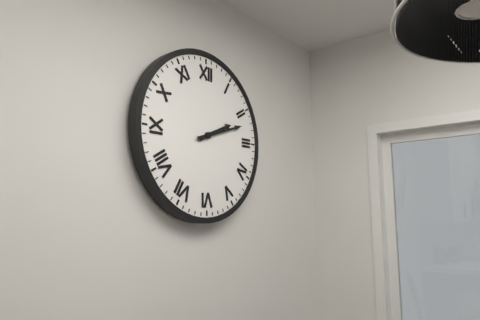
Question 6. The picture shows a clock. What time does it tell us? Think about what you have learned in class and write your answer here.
2:12
